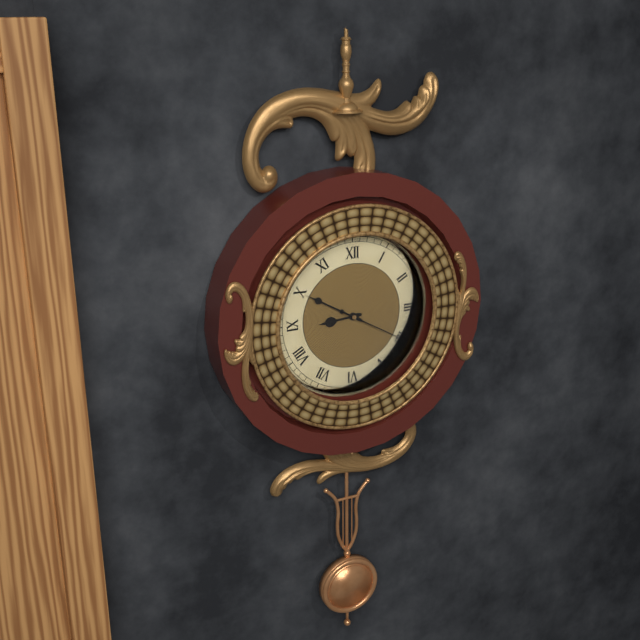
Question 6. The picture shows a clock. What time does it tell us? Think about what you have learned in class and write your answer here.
8:50:20
